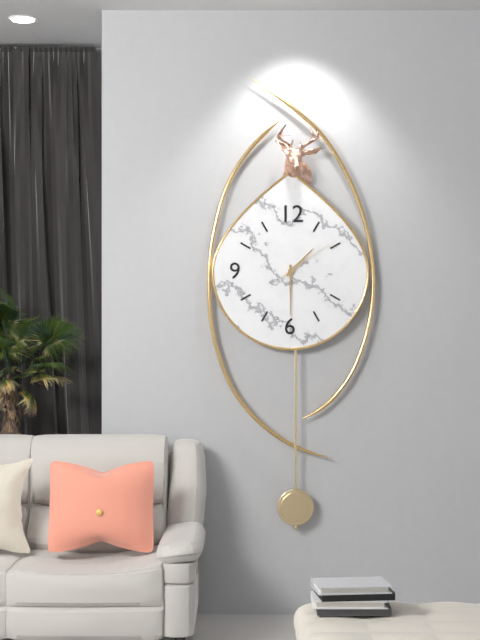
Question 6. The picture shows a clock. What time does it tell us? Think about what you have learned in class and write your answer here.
1:30:09
